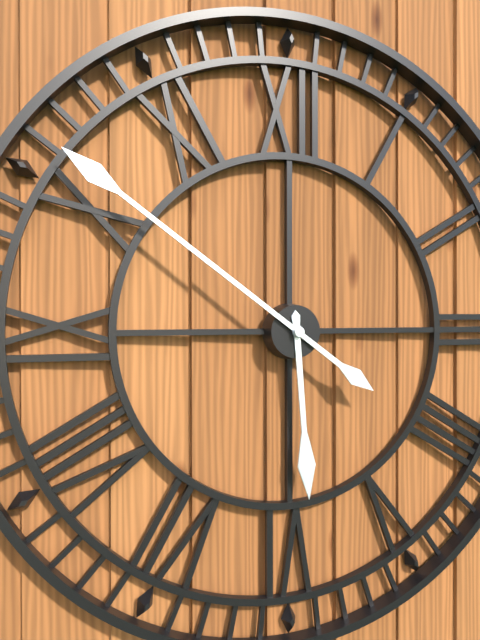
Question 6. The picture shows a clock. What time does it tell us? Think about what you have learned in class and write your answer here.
5:51
